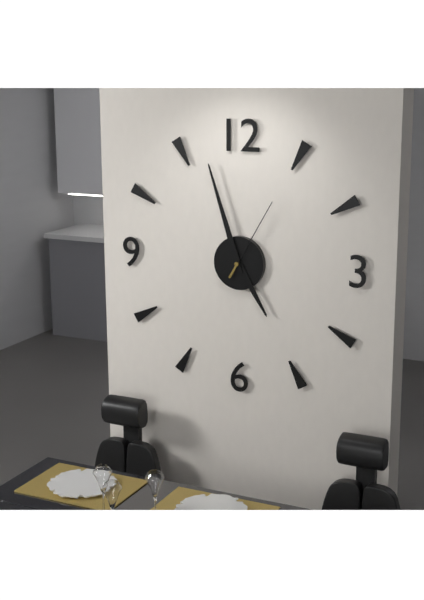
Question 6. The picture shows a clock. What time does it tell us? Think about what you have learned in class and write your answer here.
4:57:05
